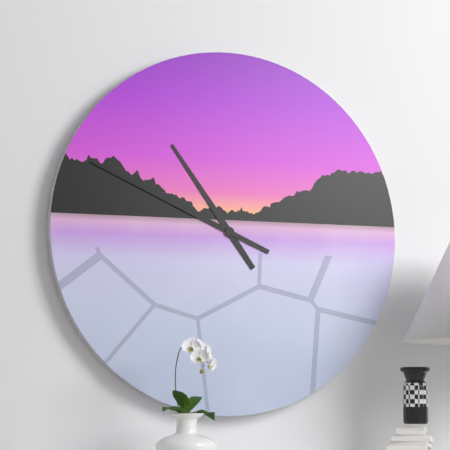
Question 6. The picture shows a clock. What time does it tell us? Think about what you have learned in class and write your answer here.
10:49
